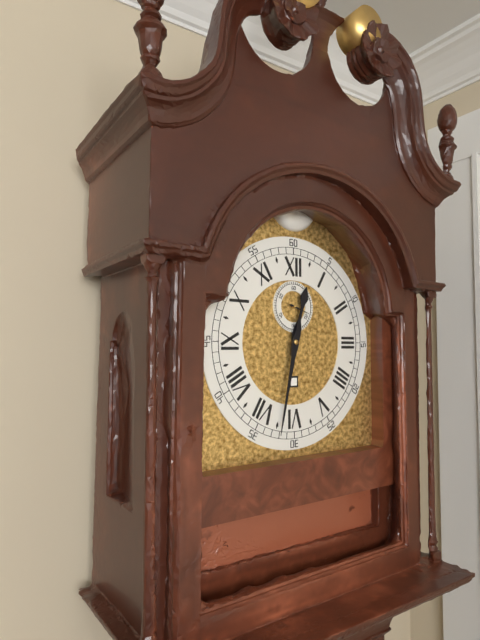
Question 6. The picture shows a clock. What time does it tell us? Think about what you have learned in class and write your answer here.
12:32
